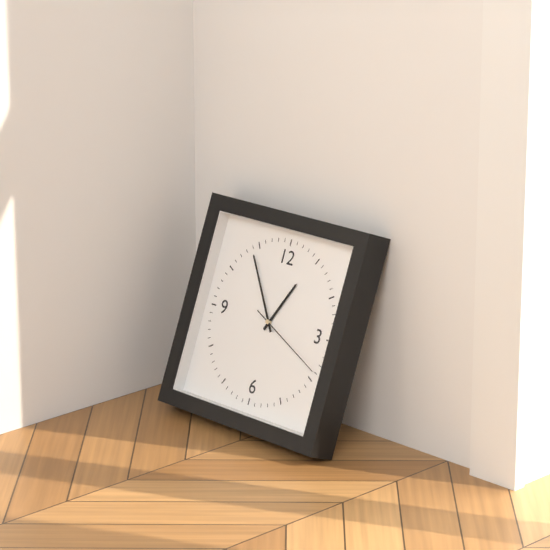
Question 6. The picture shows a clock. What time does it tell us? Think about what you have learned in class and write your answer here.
12:54:19
